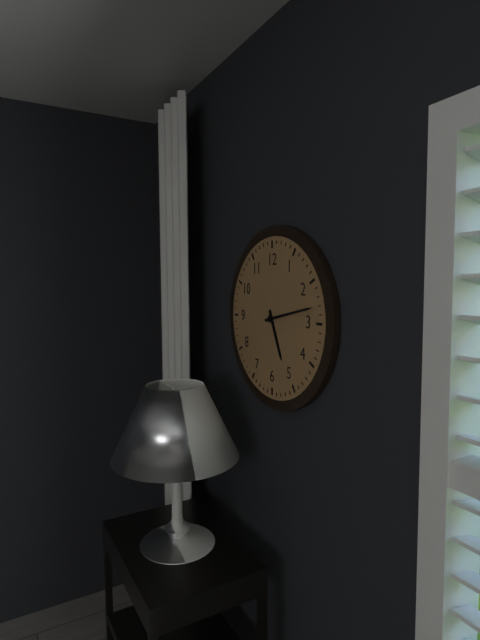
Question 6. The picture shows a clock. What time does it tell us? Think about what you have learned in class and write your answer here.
5:13
